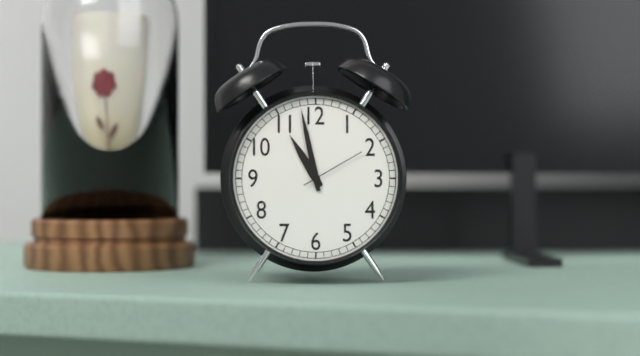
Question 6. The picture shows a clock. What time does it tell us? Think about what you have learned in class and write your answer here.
10:58:10
